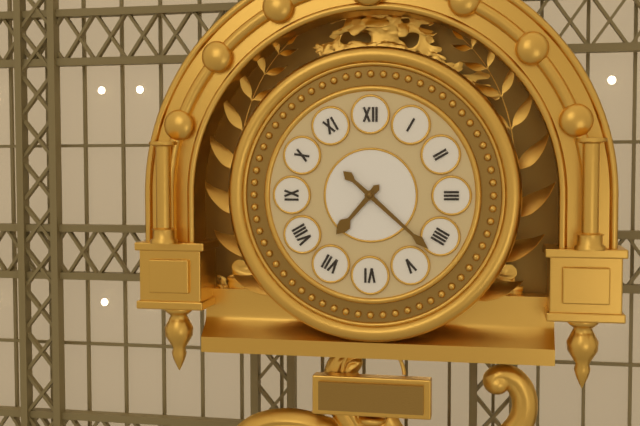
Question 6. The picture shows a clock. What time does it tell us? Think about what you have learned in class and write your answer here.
7:22
